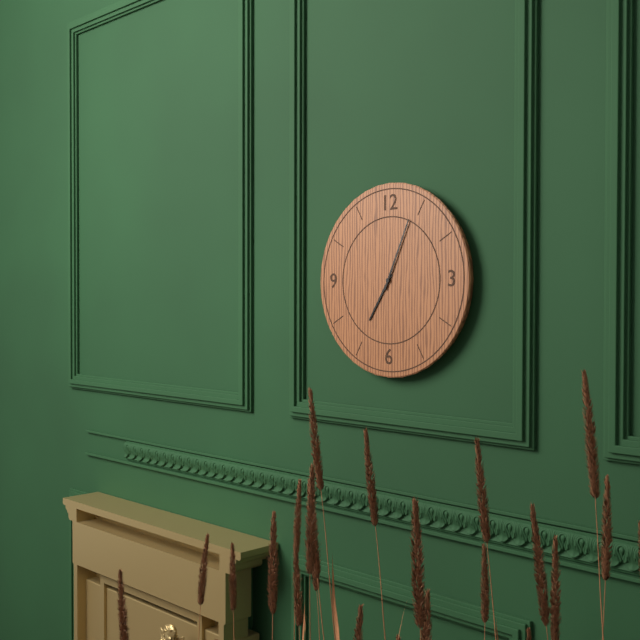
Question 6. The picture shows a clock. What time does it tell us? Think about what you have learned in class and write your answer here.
7:04
